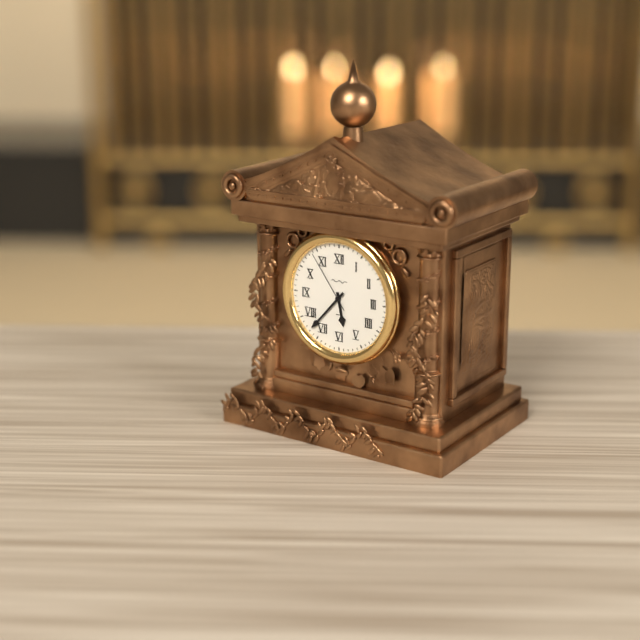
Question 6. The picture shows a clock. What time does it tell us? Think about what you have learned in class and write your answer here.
5:37:54
